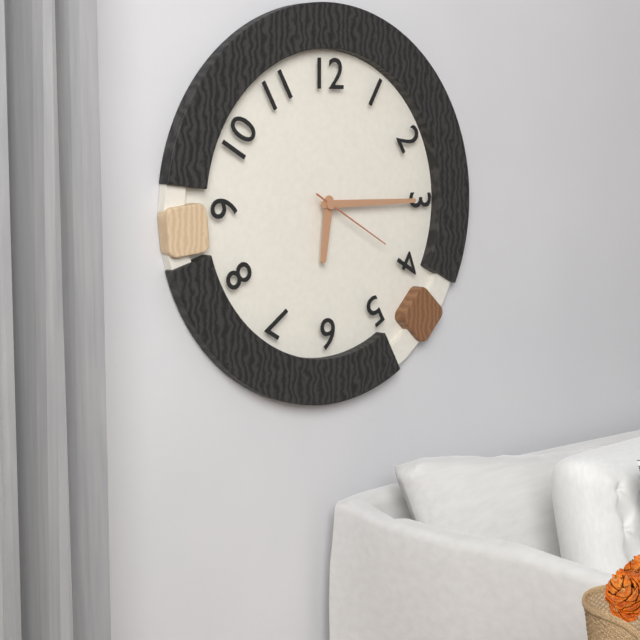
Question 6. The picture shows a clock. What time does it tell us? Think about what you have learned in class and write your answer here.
6:15:20
